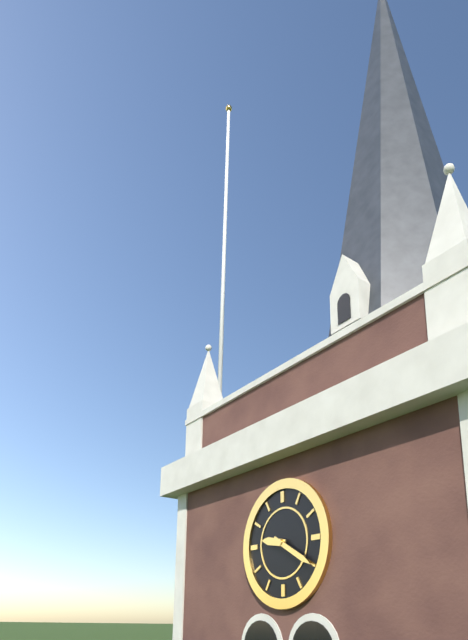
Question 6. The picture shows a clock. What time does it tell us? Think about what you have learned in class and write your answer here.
9:20
